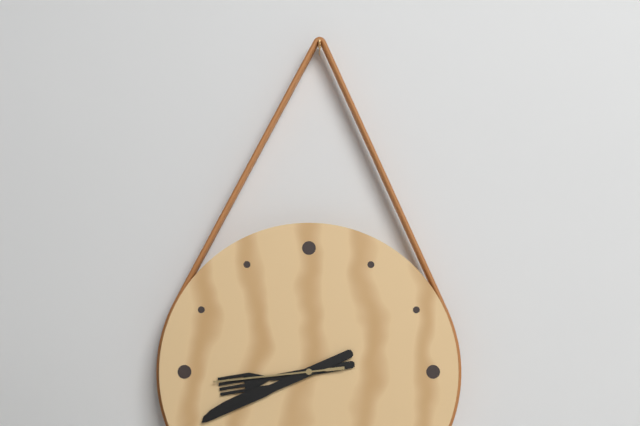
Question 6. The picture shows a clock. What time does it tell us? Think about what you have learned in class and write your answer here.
8:41:44
